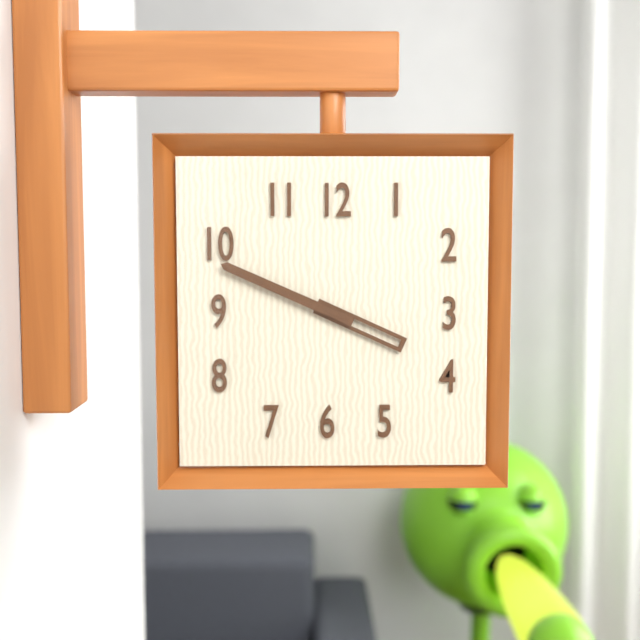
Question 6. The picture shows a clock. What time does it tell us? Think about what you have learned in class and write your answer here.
3:49
